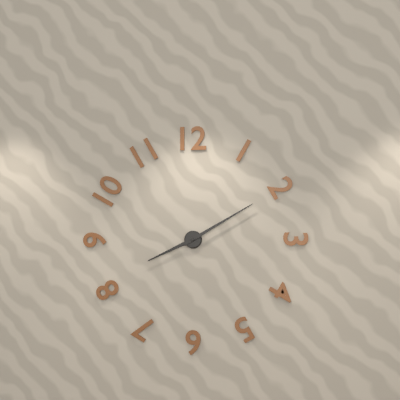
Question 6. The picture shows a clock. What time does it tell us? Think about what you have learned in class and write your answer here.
8:10
